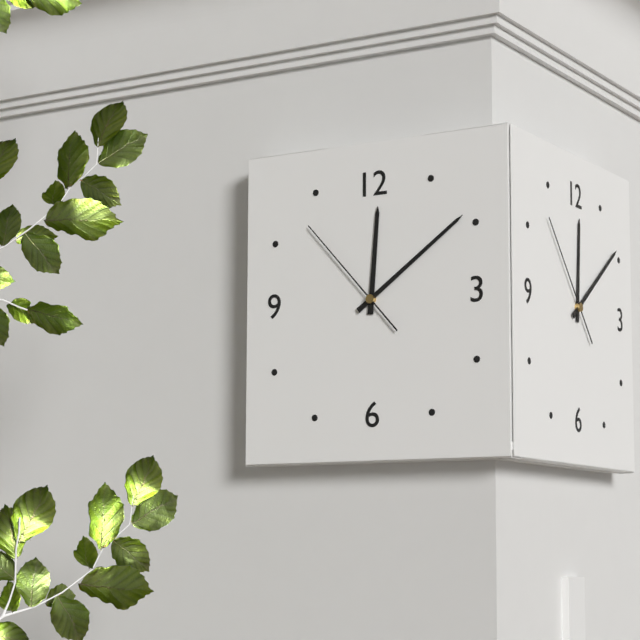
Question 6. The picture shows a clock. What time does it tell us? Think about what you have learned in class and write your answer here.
12:09:53
